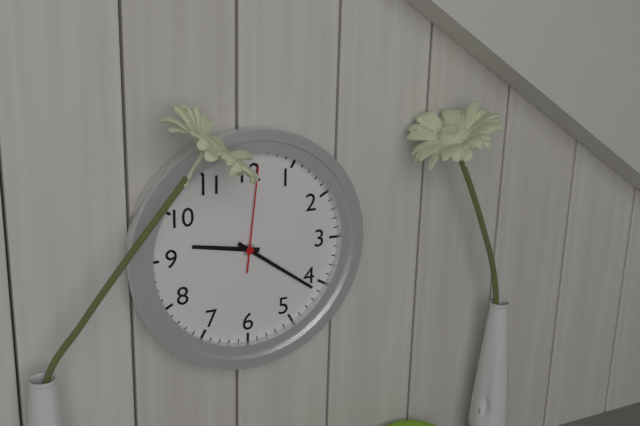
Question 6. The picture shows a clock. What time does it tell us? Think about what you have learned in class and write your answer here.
9:21:01
